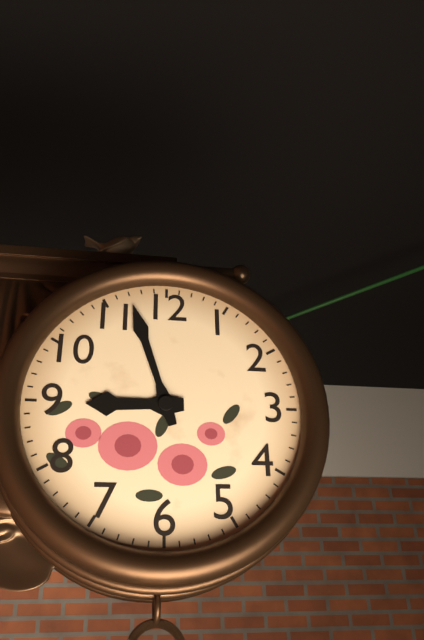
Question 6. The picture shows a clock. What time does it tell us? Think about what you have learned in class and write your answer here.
8:57
